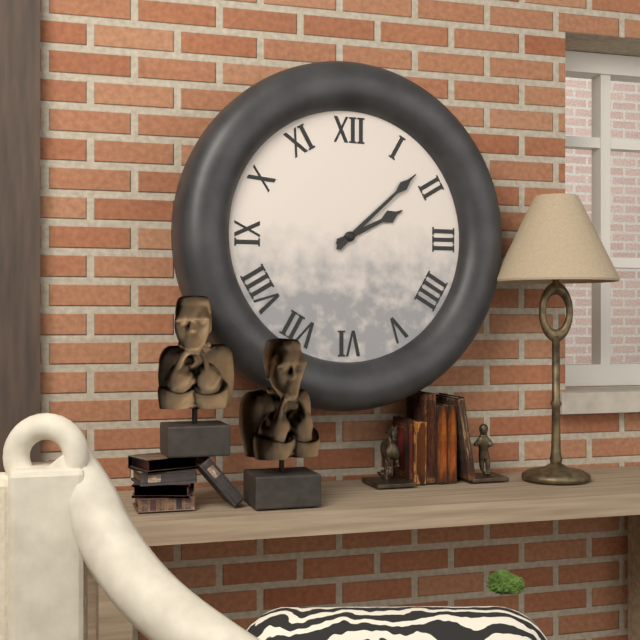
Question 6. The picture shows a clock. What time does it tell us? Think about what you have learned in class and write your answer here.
2:08
